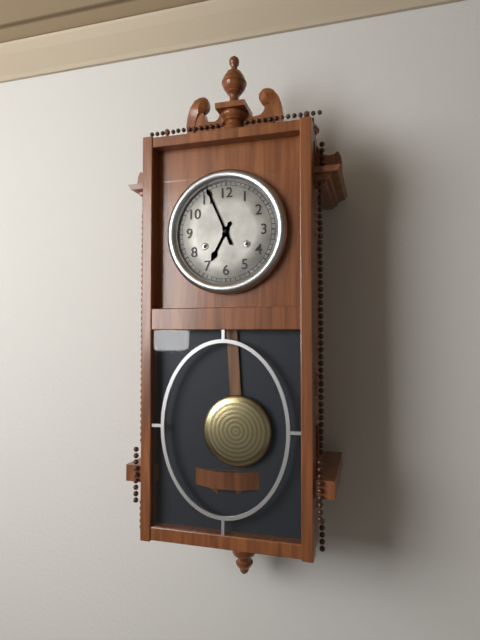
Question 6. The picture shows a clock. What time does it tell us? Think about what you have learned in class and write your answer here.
6:56
